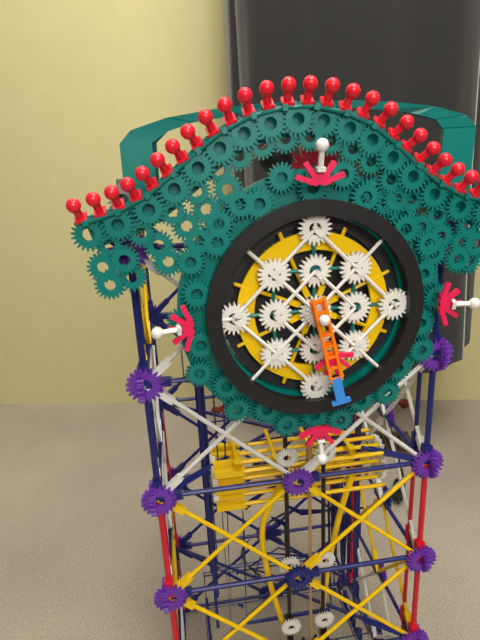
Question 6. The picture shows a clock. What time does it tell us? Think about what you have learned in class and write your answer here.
5:28
